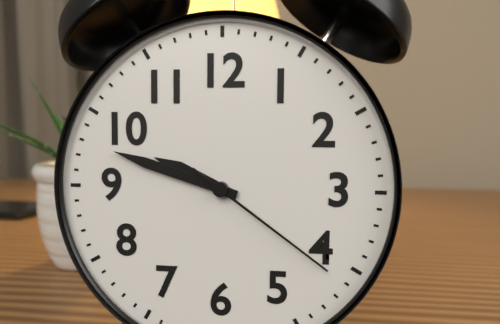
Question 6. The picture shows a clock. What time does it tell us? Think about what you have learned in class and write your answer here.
9:48:21
